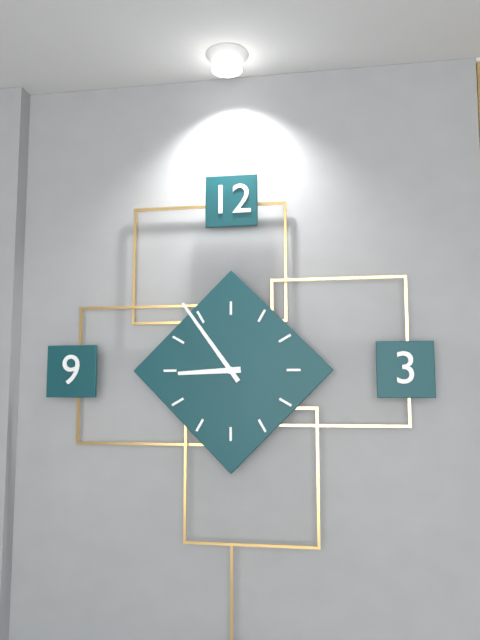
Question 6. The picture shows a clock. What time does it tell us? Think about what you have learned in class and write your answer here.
8:54
